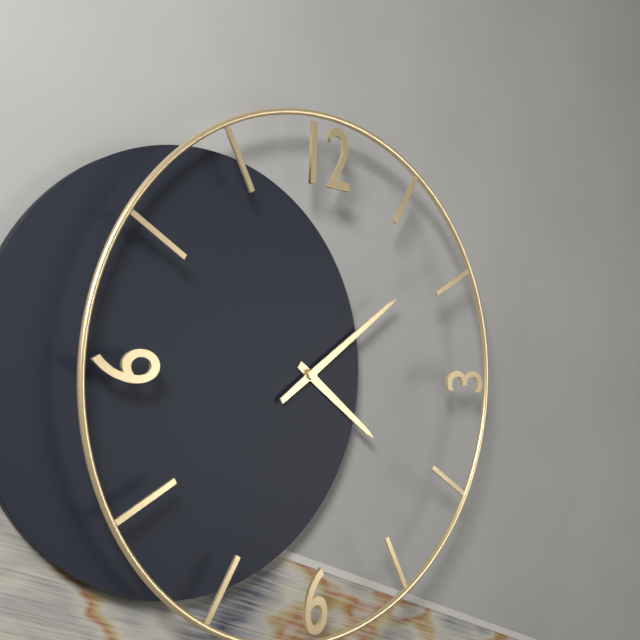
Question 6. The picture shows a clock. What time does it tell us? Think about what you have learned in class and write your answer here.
4:09
